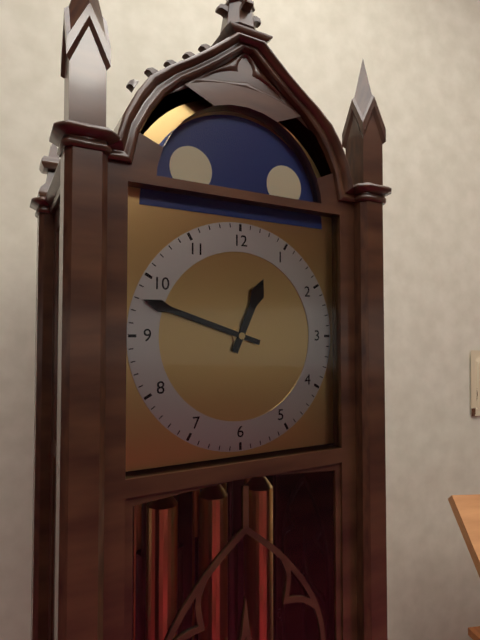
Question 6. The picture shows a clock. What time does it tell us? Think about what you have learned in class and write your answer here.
12:48
